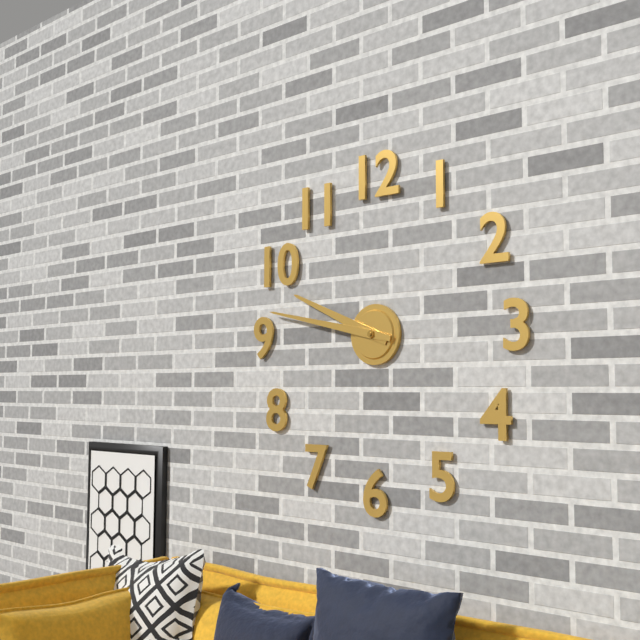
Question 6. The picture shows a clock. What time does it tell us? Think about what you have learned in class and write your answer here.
9:47
